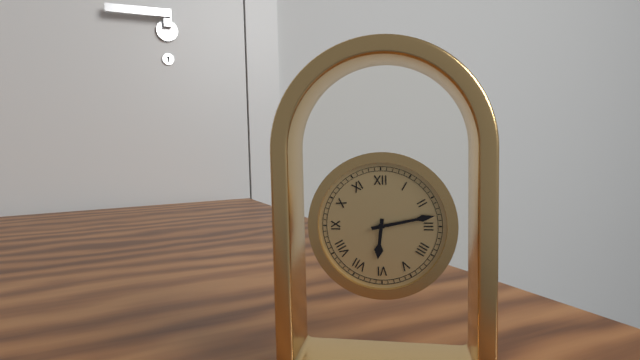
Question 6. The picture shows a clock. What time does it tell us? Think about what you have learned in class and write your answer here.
6:13
